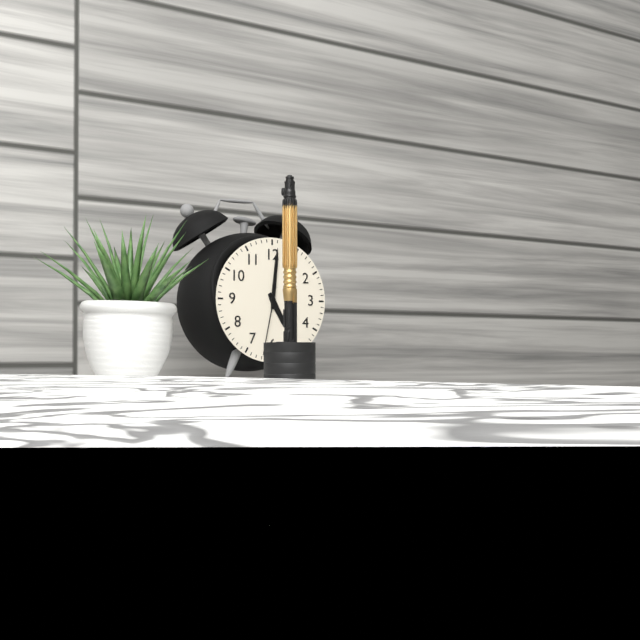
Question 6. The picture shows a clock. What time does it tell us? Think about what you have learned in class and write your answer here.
5:01:32
